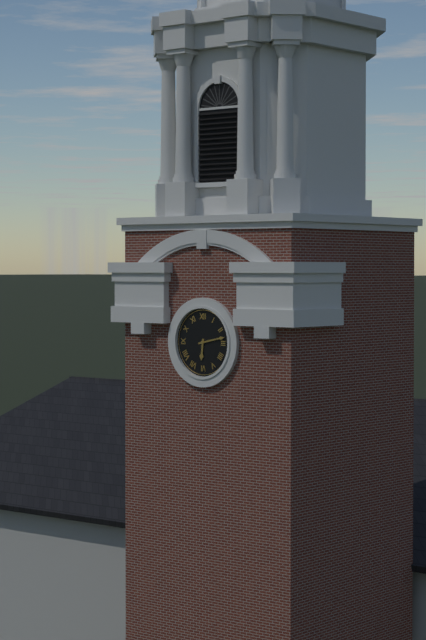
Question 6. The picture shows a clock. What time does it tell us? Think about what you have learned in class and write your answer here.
6:13
